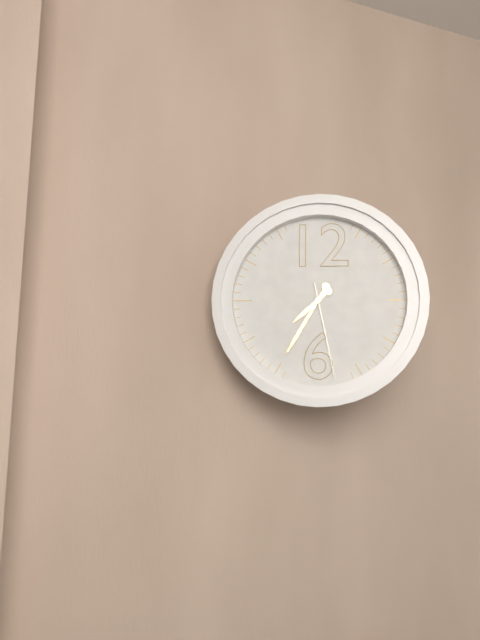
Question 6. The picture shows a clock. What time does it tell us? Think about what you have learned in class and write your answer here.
7:35:28
